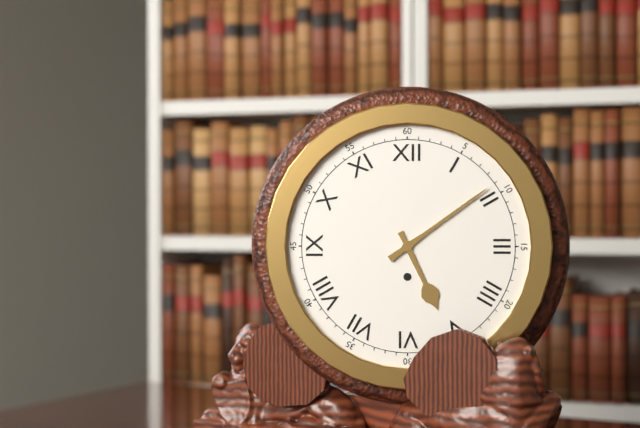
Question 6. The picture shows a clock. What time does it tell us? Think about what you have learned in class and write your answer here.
5:09
